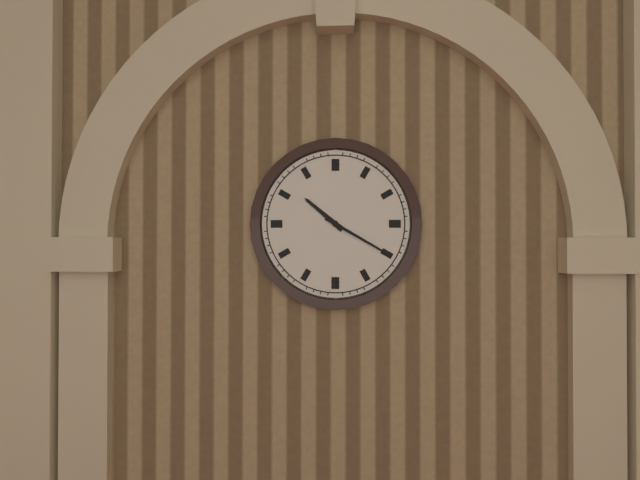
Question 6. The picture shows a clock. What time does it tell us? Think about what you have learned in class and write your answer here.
10:20
